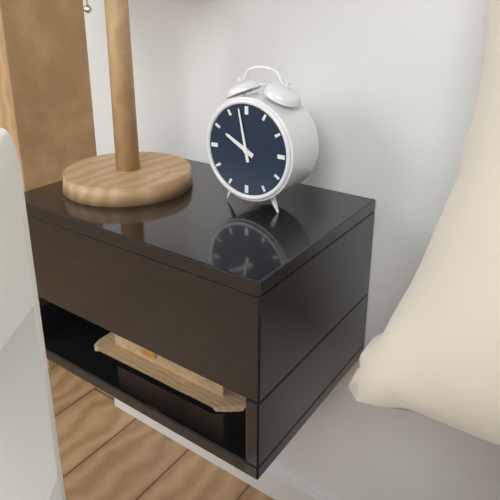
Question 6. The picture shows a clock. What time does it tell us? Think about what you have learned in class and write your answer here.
9:58
